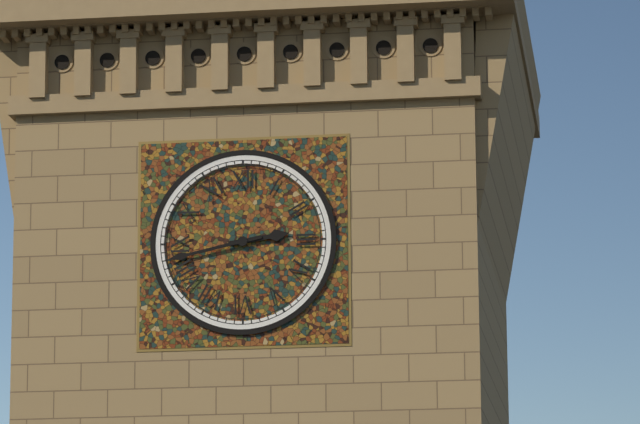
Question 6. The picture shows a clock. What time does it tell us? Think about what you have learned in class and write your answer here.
2:43
